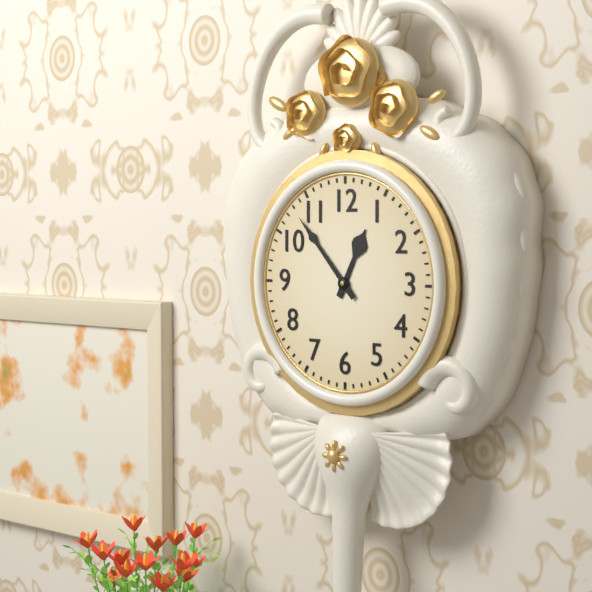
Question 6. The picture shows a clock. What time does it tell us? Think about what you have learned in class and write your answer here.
12:53
